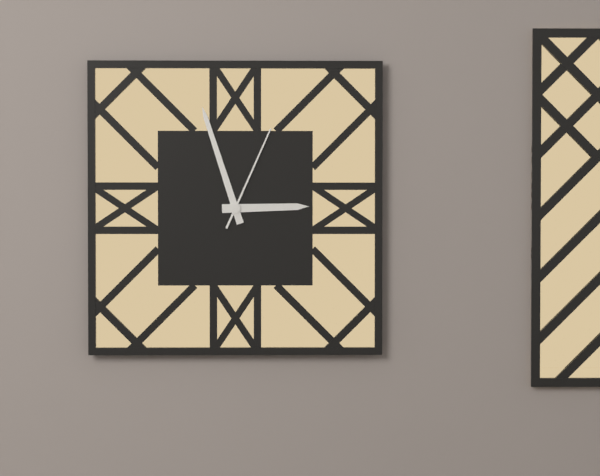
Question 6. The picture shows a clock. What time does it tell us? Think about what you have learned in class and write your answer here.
2:57:04
